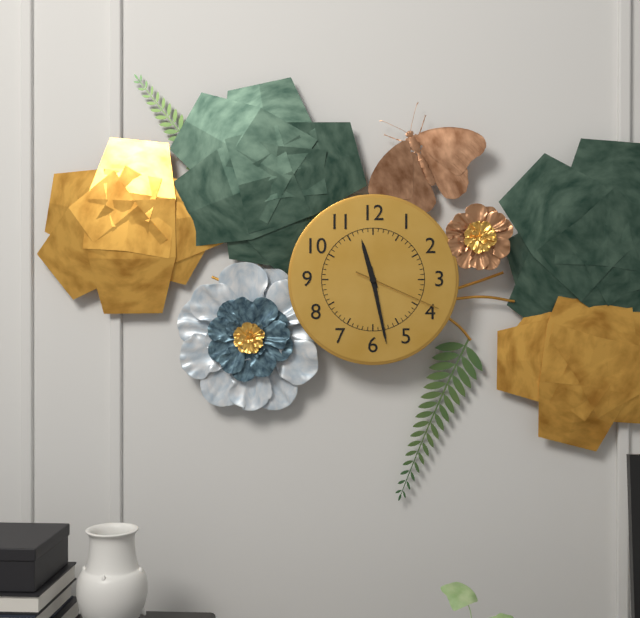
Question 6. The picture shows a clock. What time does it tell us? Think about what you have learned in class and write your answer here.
11:28:19
